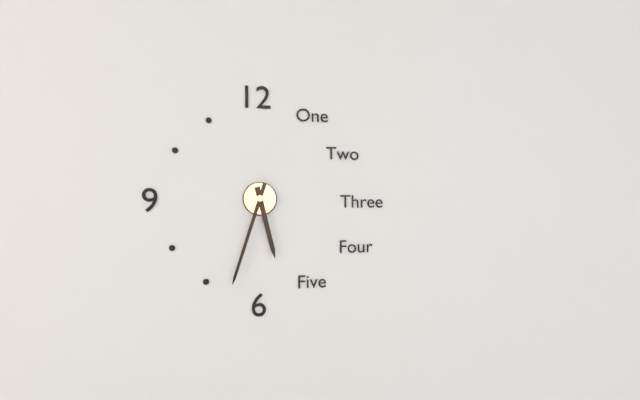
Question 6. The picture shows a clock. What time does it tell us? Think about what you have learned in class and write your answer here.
5:33
